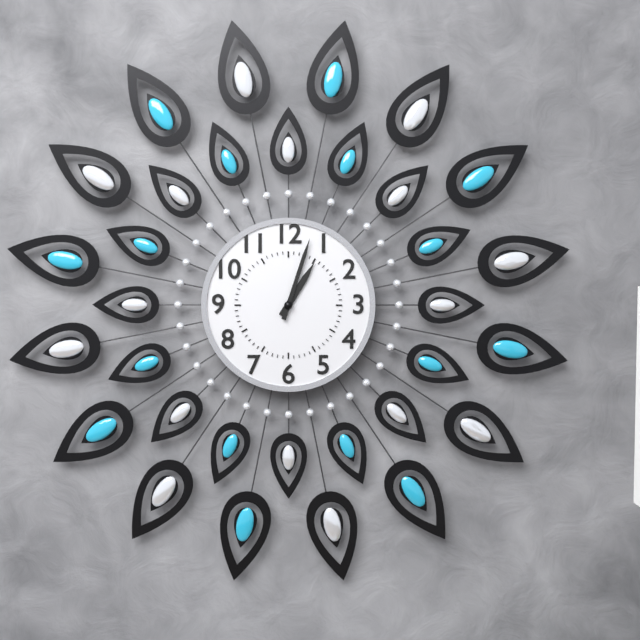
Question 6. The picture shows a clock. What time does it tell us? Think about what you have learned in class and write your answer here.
1:03
